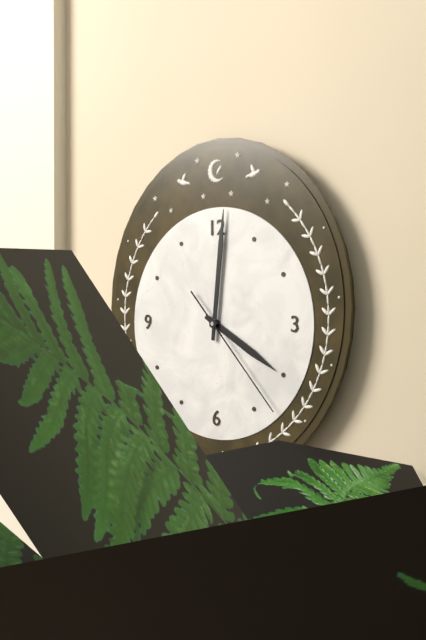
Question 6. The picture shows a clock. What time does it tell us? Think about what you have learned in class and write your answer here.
4:01:23
